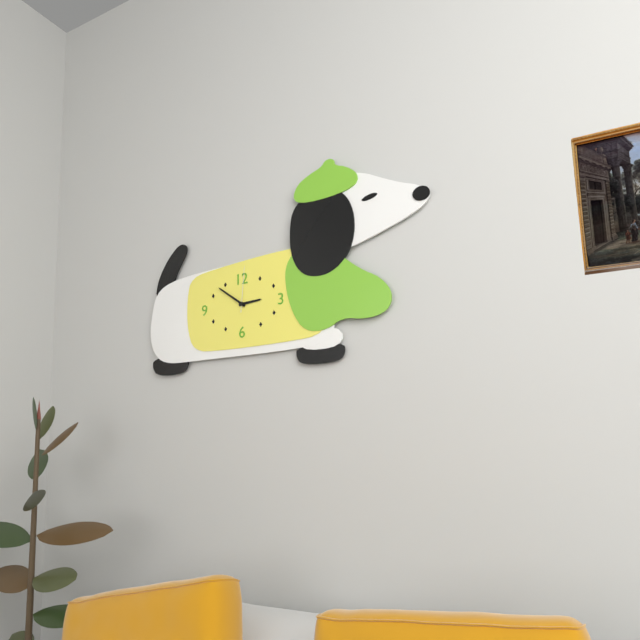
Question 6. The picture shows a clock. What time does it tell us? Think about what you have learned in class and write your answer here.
2:51
